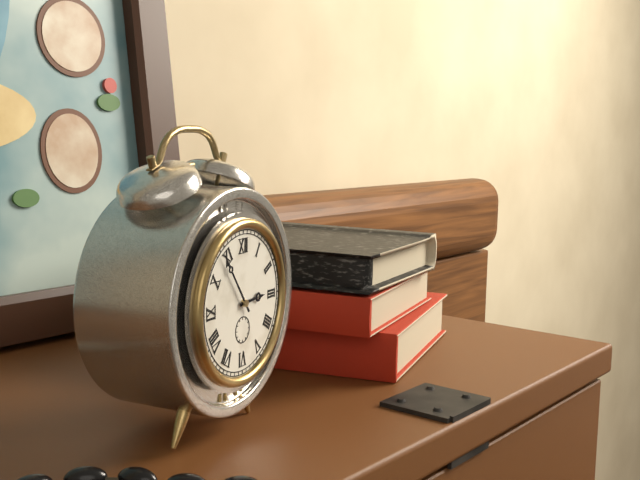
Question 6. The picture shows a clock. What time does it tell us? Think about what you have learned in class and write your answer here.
2:54
